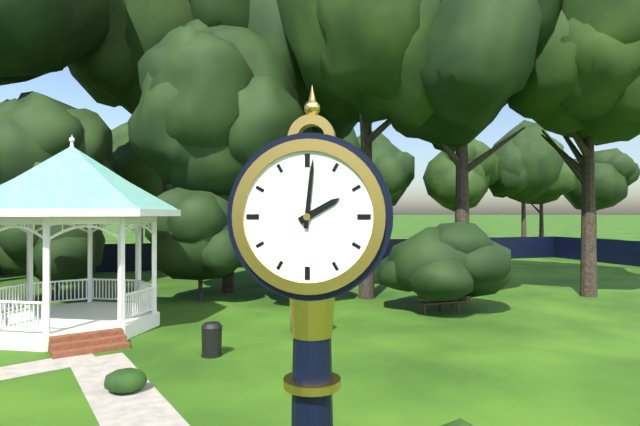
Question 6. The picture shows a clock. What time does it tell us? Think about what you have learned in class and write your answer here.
2:01
